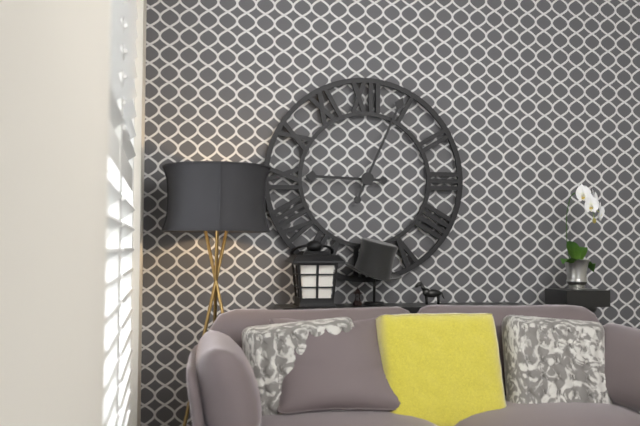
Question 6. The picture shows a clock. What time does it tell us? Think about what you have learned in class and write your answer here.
9:04
